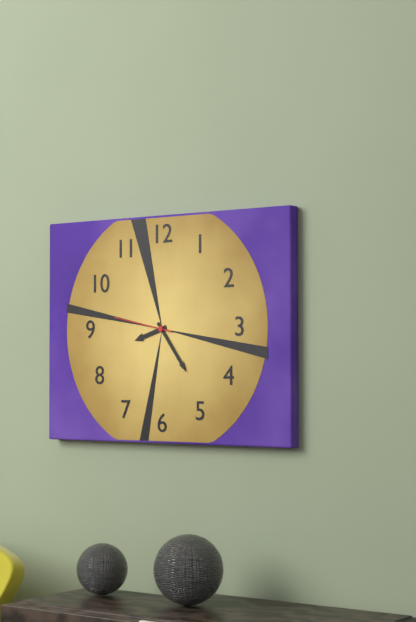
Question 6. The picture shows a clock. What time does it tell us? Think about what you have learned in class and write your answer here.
8:24:47
